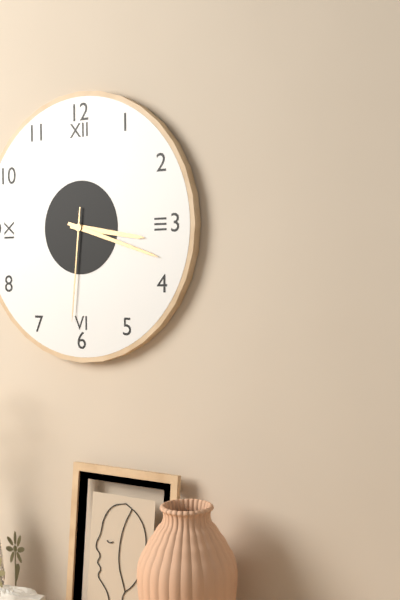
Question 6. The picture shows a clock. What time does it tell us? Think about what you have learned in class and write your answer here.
3:18:31
